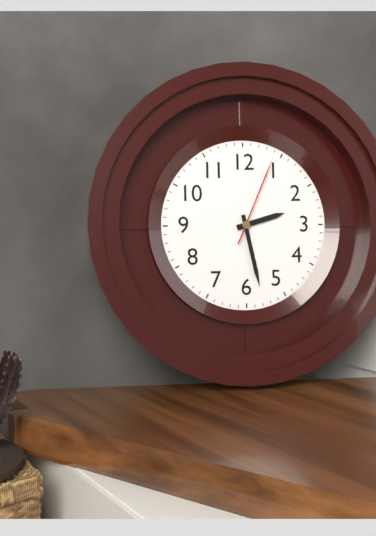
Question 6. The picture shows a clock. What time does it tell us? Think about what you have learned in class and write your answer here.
2:28:04
